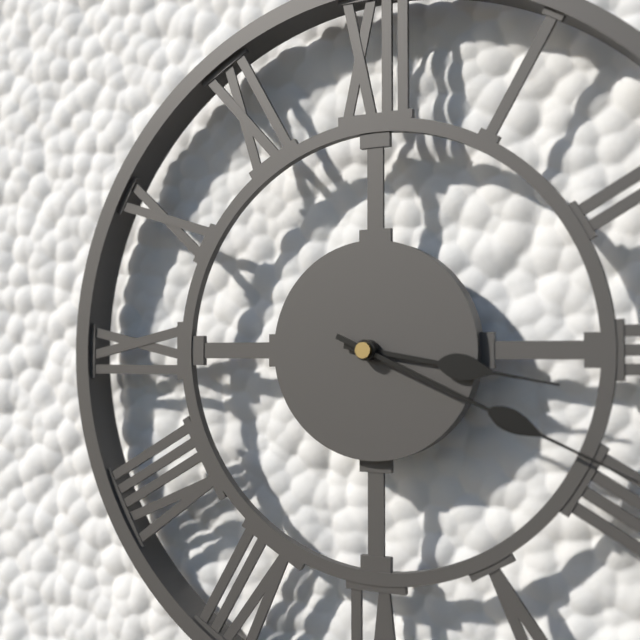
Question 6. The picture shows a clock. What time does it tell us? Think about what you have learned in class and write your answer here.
3:19
